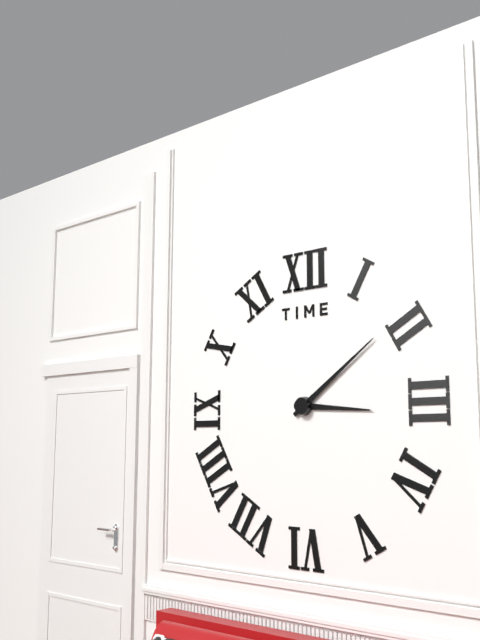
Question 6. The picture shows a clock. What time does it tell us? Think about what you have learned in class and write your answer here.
3:09
